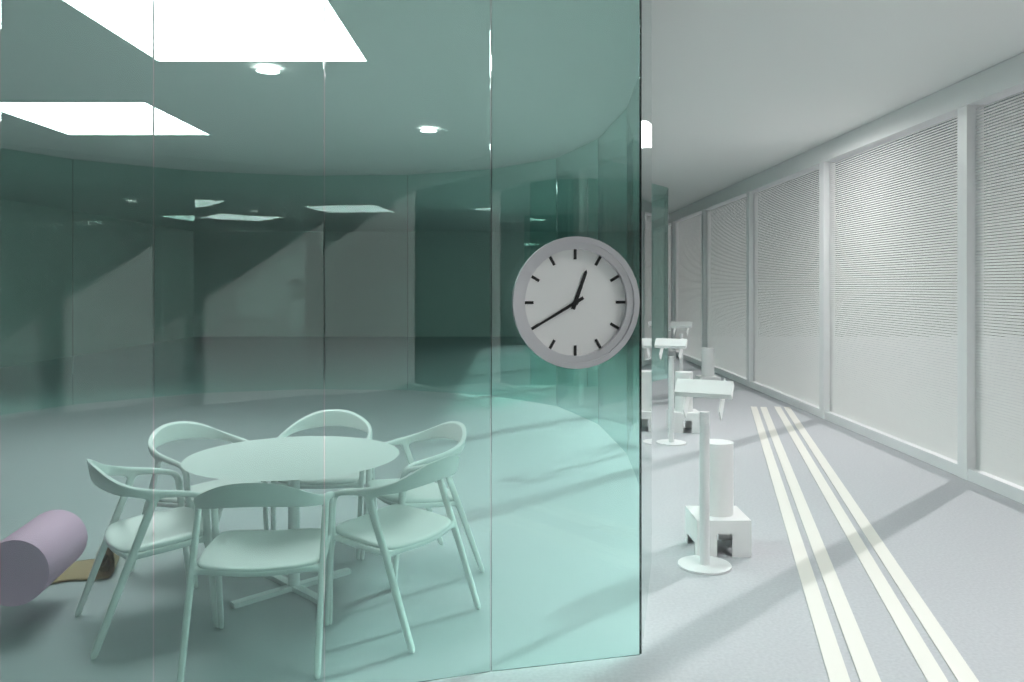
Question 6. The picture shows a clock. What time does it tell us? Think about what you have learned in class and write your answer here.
12:40
